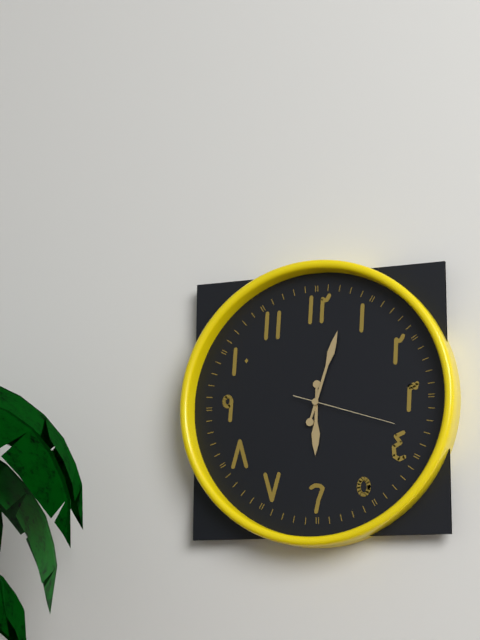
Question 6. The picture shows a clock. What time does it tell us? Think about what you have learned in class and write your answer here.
6:03:18
